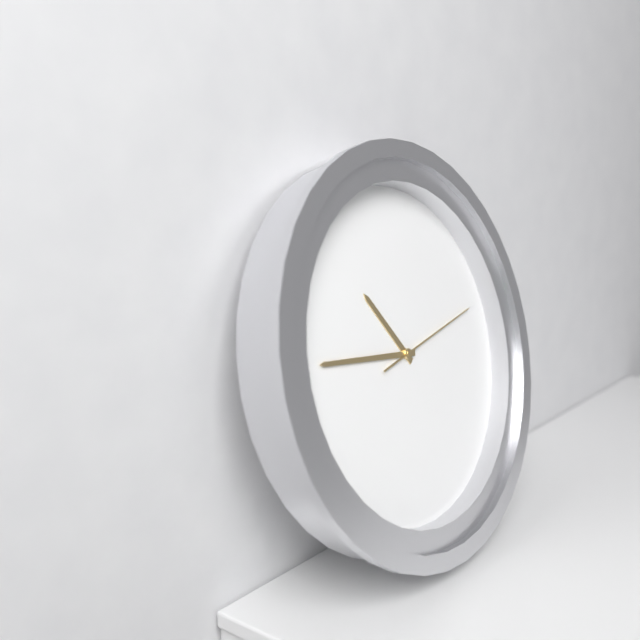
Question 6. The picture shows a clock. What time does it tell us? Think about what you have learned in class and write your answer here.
10:46:13
